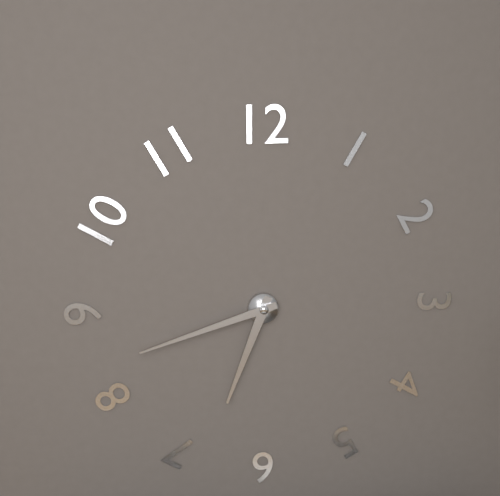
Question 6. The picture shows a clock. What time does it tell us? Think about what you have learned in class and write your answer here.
6:42
